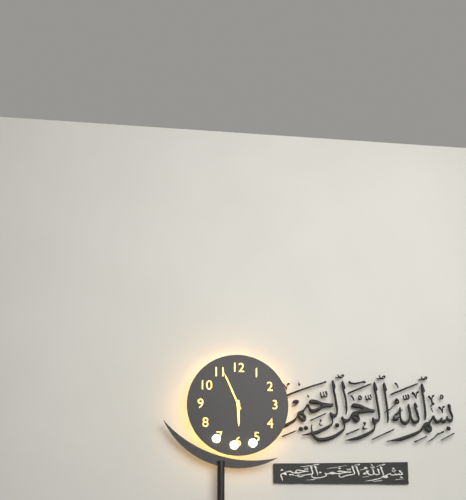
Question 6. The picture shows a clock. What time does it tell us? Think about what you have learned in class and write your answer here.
5:56
